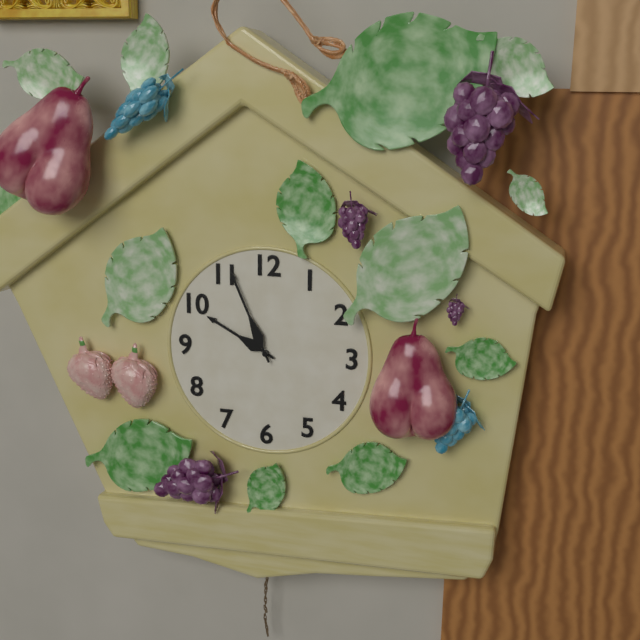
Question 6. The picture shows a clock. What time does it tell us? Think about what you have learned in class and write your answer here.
9:56
